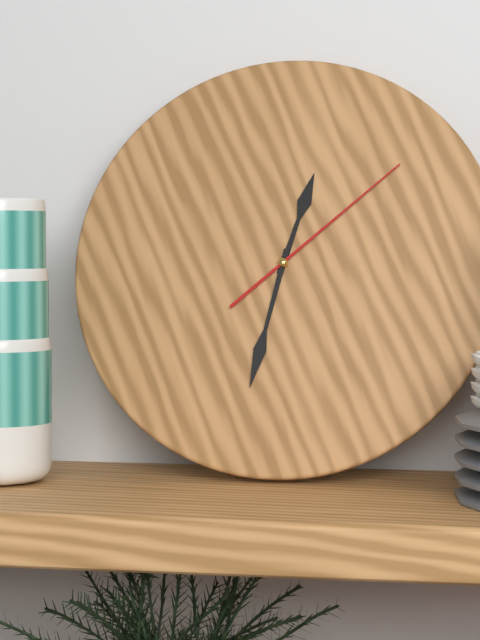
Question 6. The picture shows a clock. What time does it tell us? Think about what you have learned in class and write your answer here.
12:32:08
